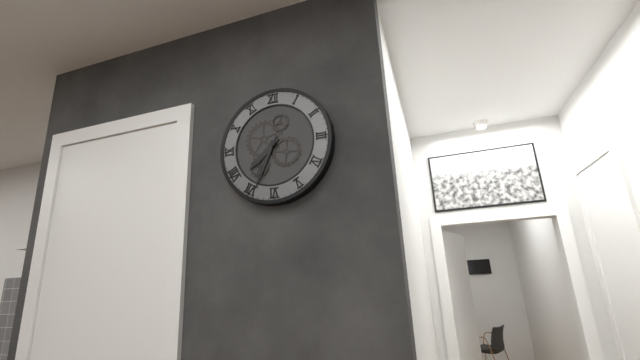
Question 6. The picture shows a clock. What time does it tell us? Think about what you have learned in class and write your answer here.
7:34
